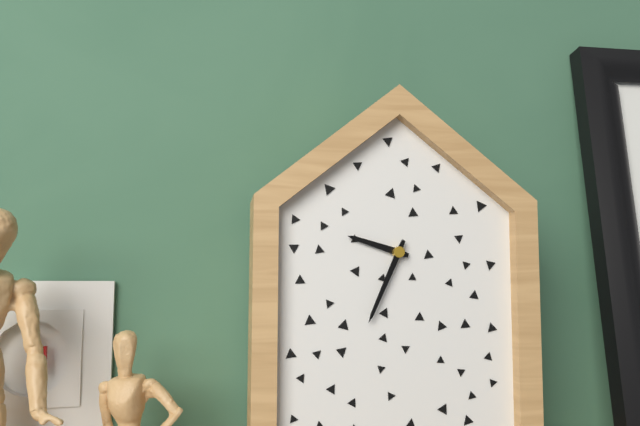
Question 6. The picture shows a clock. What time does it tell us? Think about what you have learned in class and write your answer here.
9:34
